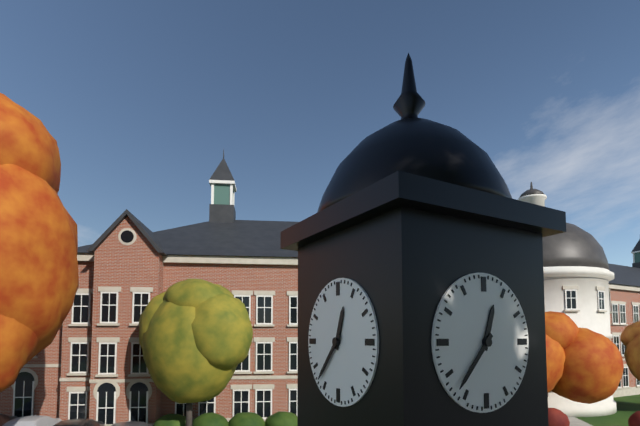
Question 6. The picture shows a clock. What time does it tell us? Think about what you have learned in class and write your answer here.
12:37
